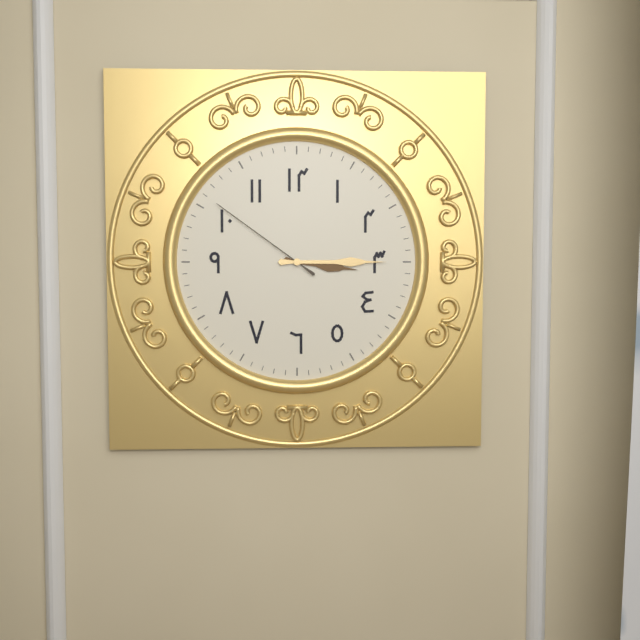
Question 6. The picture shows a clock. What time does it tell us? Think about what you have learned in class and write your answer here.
3:15:51
